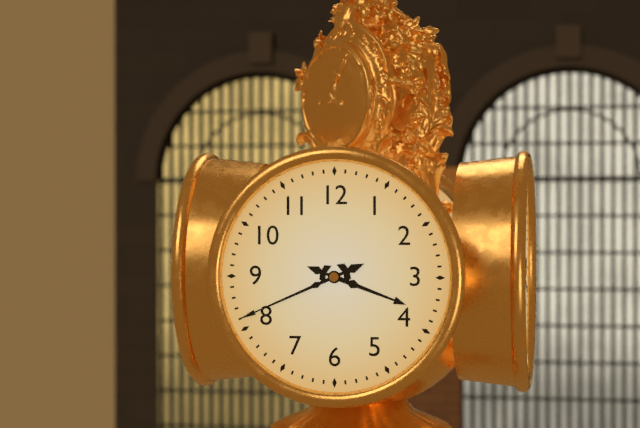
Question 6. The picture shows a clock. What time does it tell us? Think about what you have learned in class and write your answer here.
3:41
